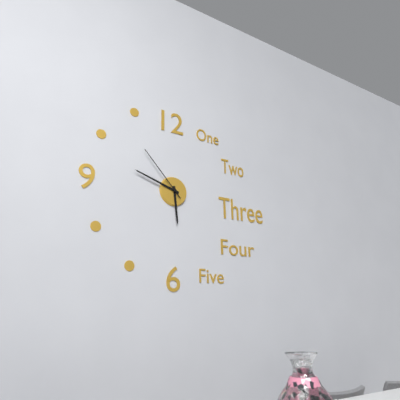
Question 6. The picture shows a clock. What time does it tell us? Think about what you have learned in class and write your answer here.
5:48:53
